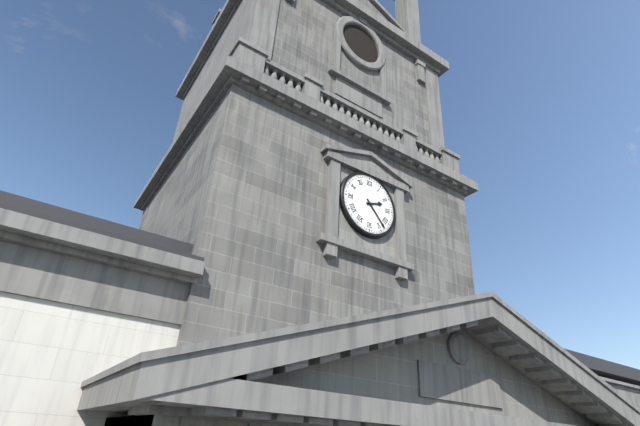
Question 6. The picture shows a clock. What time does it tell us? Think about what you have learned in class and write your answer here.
2:23
